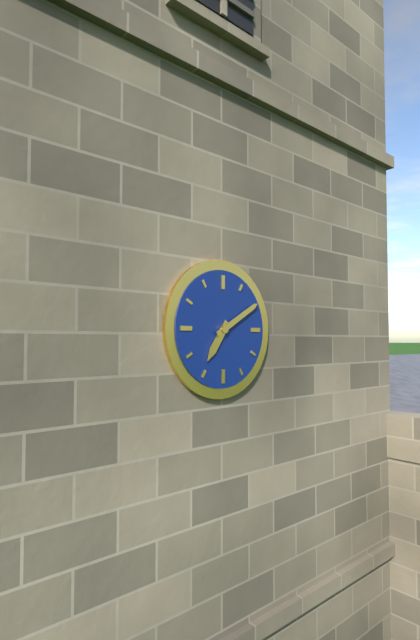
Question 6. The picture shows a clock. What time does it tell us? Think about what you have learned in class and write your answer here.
7:10
